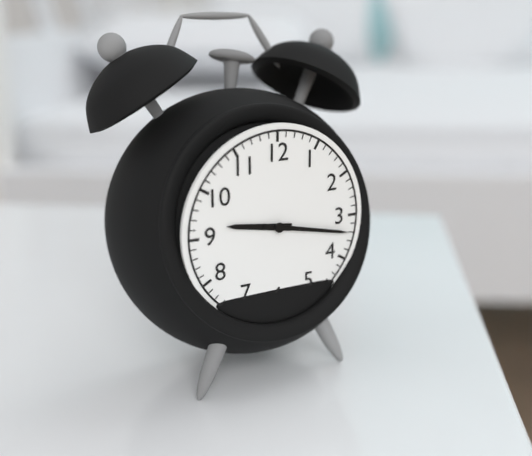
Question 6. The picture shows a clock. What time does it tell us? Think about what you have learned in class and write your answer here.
9:17
